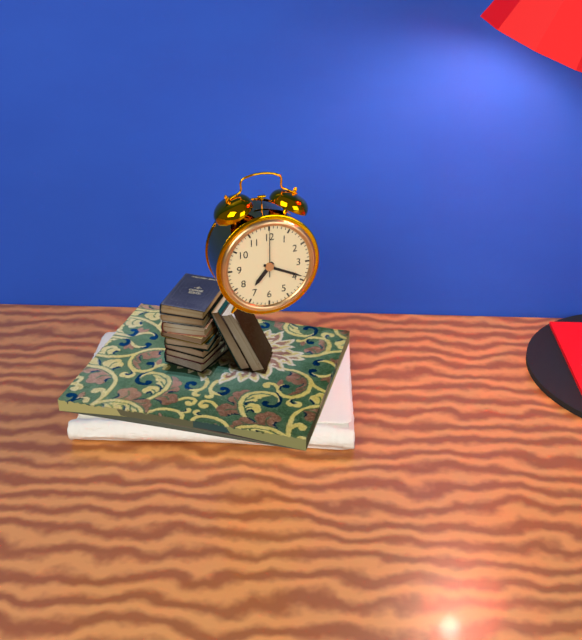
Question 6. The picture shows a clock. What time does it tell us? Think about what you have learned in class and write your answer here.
7:19
